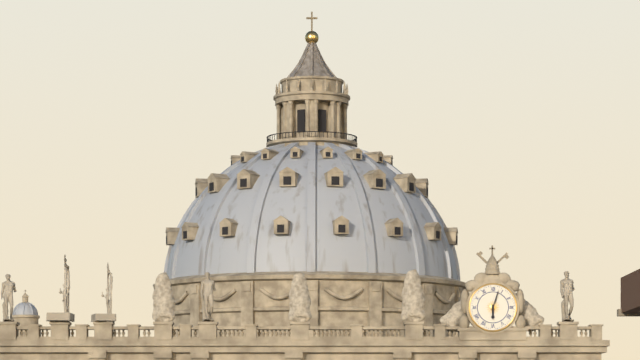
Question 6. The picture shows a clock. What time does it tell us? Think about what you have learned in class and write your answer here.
6:03
